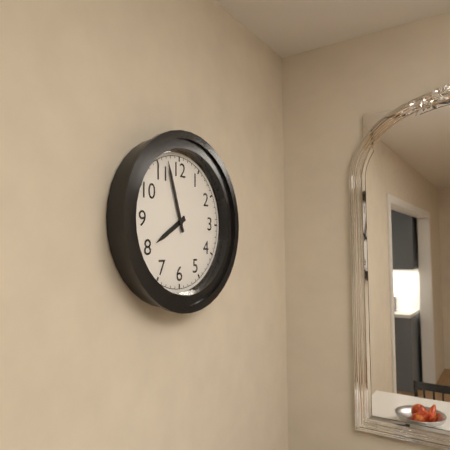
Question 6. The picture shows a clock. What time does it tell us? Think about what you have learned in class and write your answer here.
7:57
